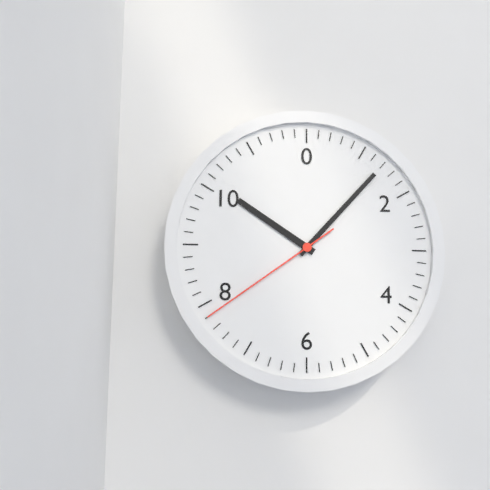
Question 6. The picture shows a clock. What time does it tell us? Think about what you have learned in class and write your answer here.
10:07:39
